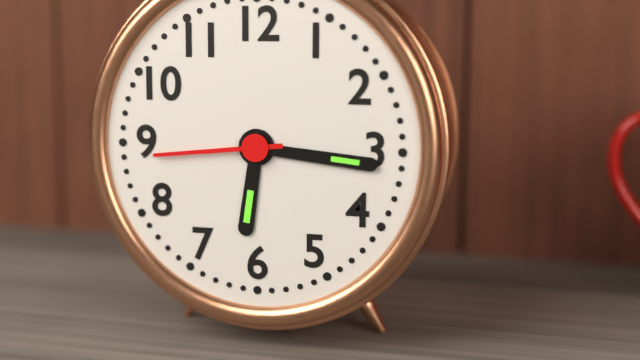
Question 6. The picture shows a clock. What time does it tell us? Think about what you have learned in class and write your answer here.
6:16:44
